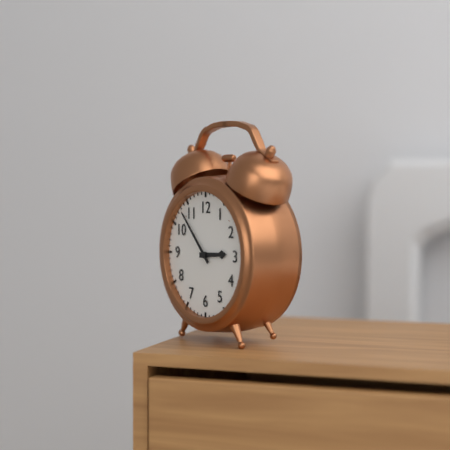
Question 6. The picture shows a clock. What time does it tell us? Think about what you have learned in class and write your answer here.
2:53
